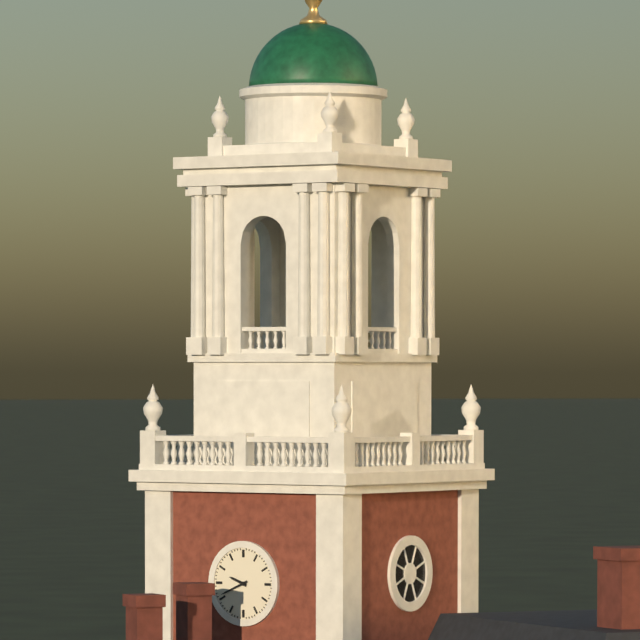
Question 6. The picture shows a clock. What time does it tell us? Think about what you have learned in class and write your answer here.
9:41
